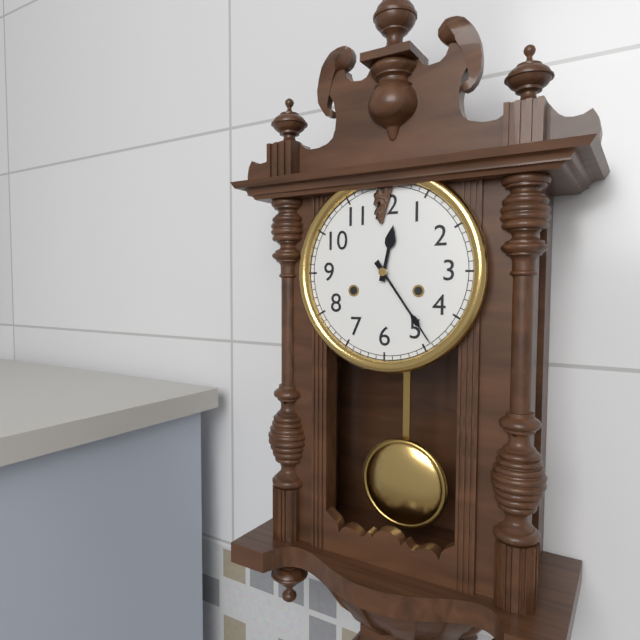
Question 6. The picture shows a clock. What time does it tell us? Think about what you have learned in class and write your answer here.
12:24
